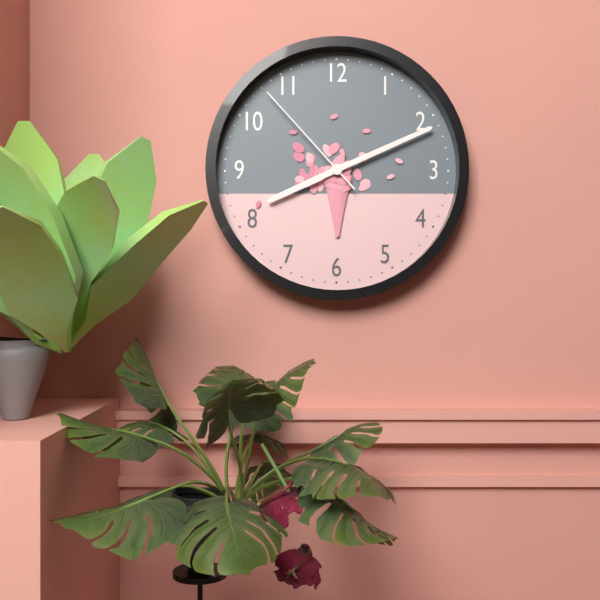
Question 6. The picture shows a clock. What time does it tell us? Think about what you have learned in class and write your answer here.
8:11:53
